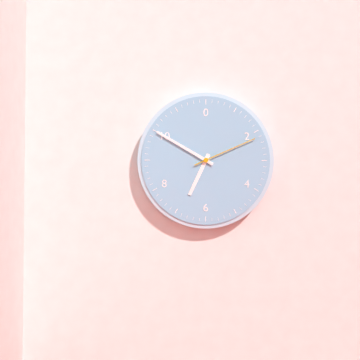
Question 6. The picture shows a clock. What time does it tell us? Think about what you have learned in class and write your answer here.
6:50:11
